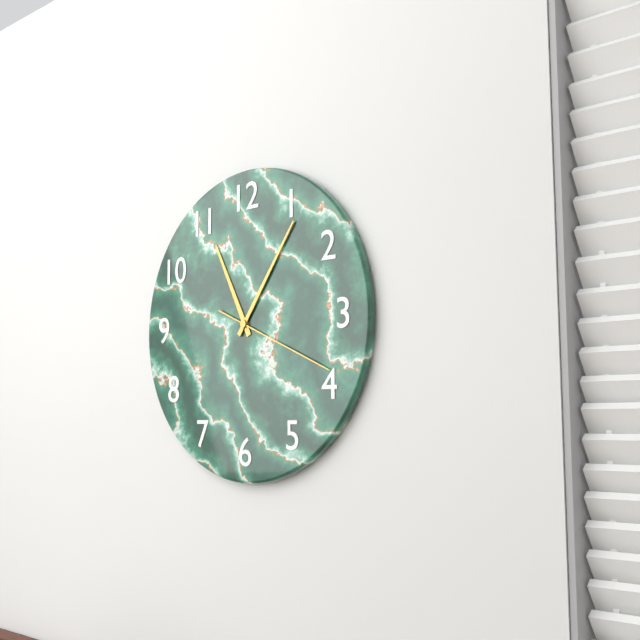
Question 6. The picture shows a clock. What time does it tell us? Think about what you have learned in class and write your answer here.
11:06:19
